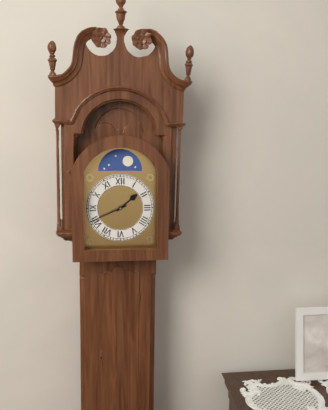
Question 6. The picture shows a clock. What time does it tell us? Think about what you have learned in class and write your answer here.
1:41
